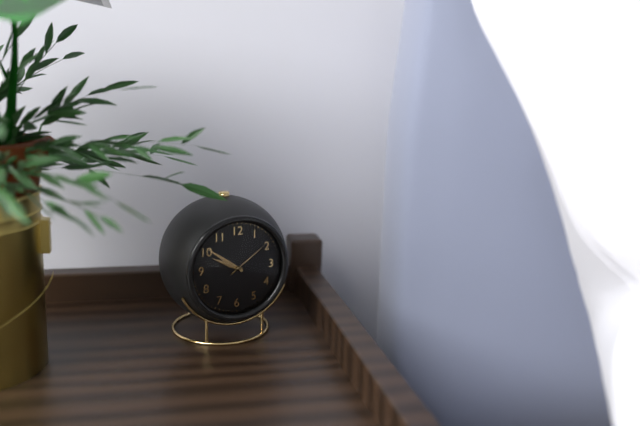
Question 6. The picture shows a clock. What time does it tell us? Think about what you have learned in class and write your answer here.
9:51
